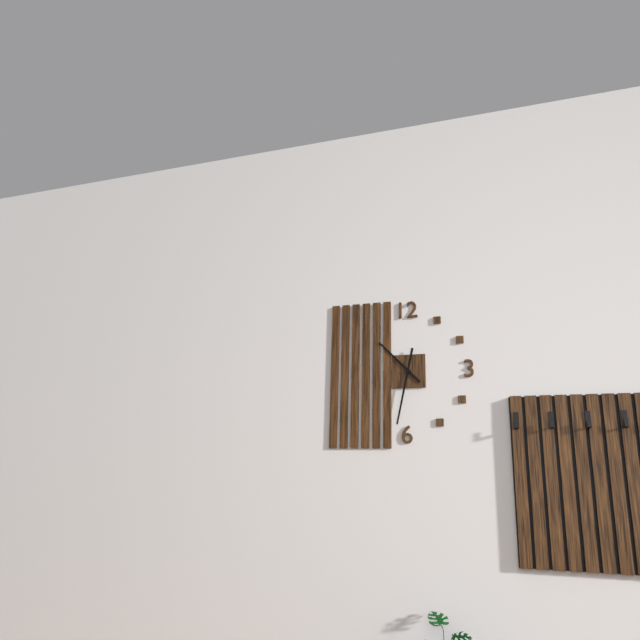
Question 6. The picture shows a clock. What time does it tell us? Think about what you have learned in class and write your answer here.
10:32
